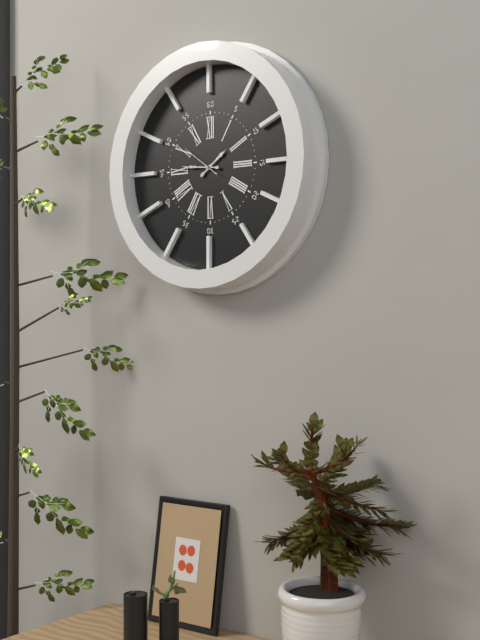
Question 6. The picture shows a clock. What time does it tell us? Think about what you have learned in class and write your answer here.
1:46
